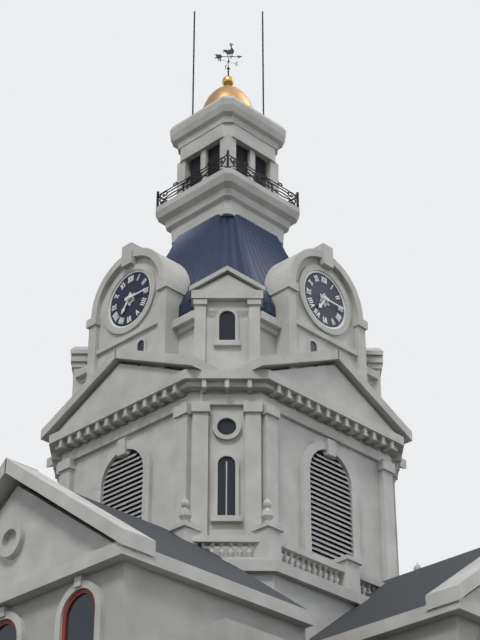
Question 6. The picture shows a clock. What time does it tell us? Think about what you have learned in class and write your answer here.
7:15
